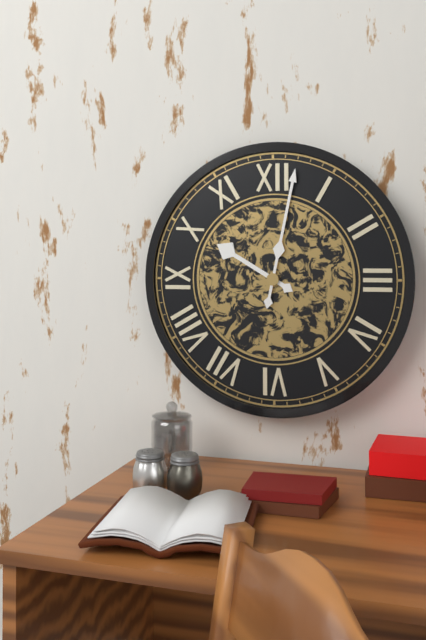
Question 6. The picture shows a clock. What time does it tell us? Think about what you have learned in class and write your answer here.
10:02
